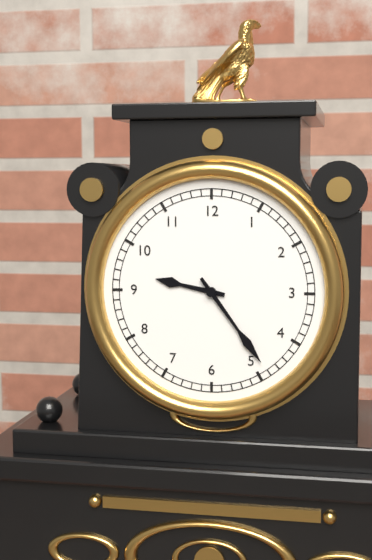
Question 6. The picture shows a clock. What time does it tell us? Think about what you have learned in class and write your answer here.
9:24
